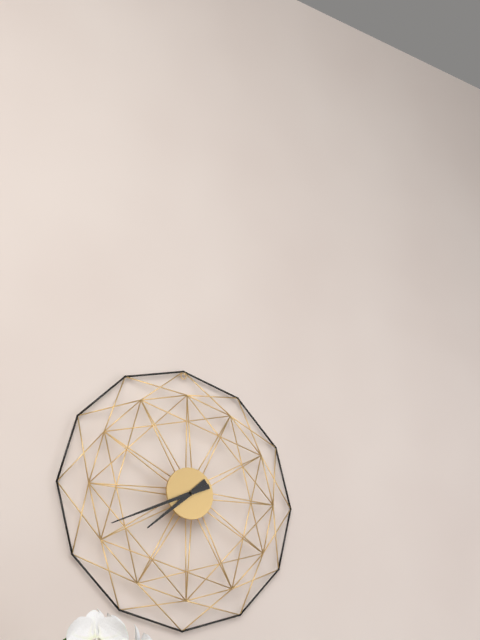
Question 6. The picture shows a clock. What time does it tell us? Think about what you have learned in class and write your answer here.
7:41
